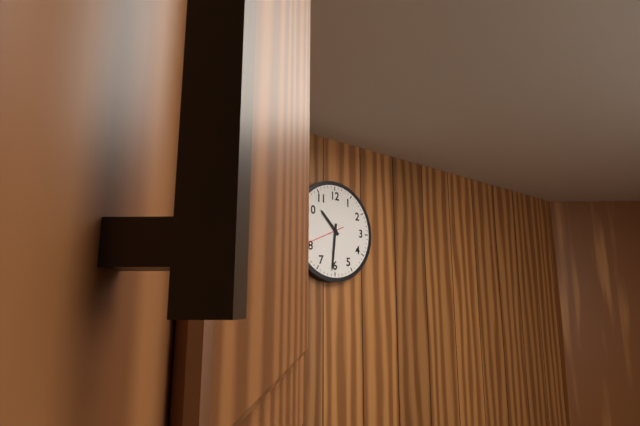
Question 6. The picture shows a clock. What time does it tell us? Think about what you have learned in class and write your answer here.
10:31
